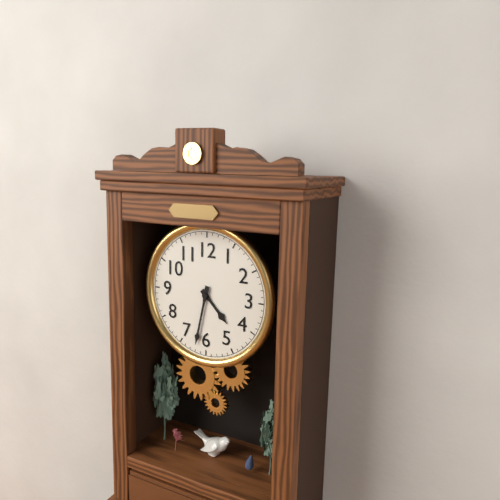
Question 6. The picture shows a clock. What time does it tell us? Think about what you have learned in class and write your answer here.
4:32
